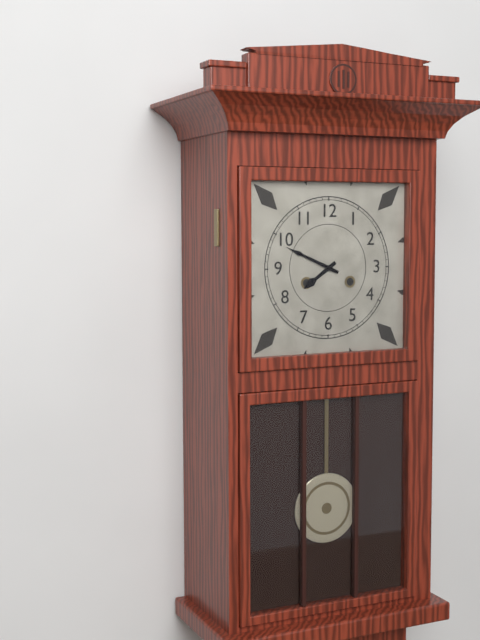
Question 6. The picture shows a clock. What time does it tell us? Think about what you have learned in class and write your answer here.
7:49
